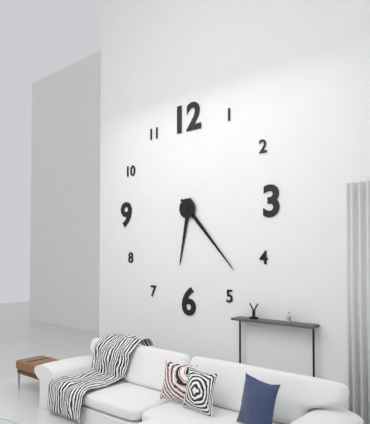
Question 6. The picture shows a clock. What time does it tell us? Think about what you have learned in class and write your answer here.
6:23
